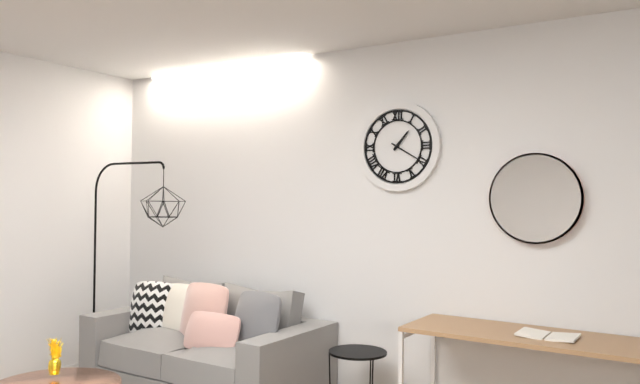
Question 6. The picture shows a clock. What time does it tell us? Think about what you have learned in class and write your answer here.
1:20
